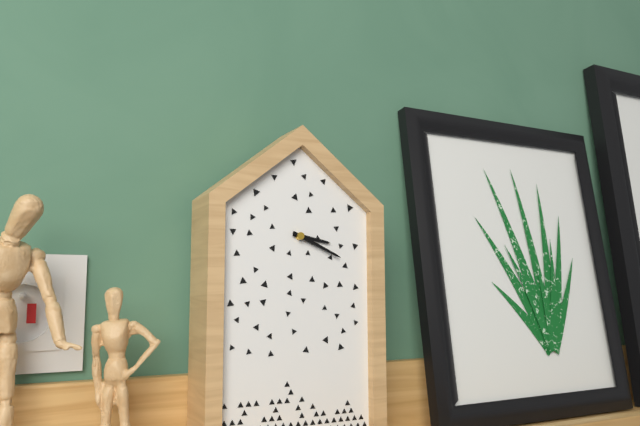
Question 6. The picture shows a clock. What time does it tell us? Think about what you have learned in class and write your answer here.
3:19
